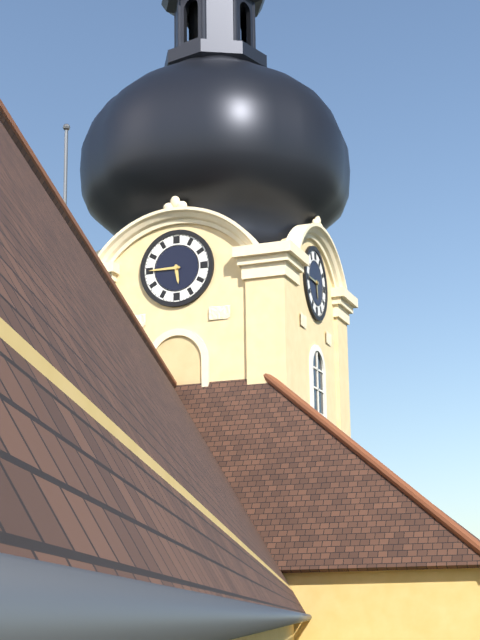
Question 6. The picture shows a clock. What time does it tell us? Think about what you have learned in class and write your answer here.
5:45
